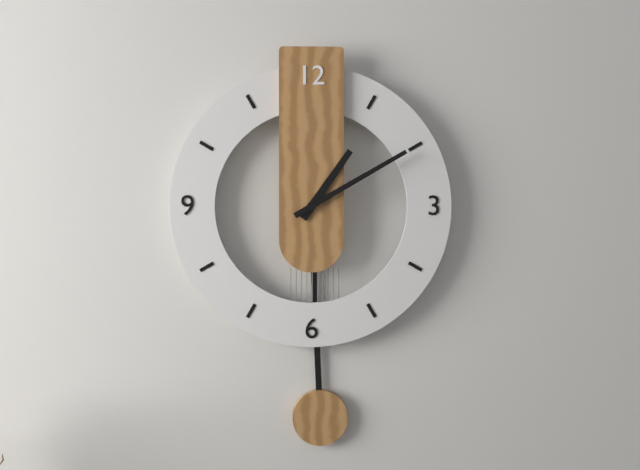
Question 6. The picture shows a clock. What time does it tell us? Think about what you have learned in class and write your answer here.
1:10
